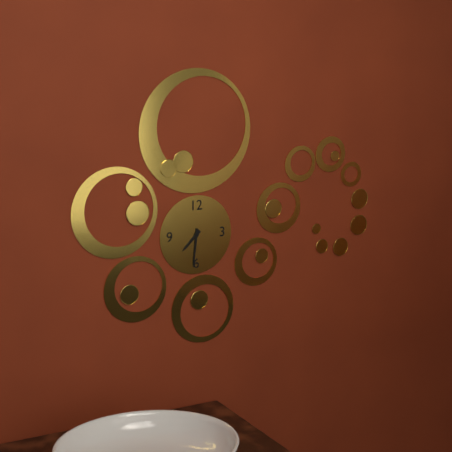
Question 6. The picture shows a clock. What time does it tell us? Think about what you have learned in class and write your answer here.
7:31
